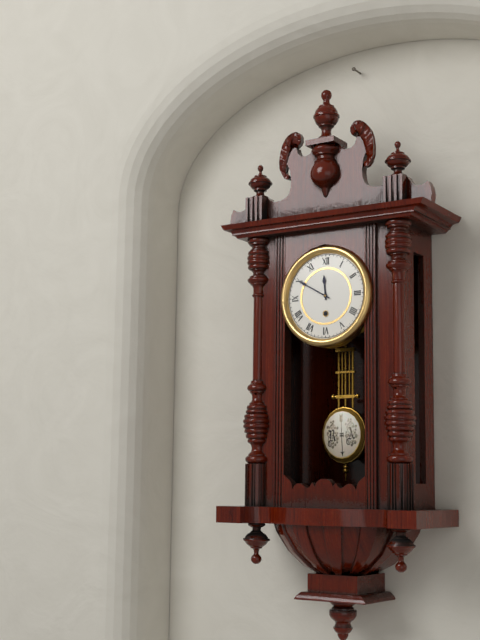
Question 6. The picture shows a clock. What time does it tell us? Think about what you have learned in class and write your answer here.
11:50
